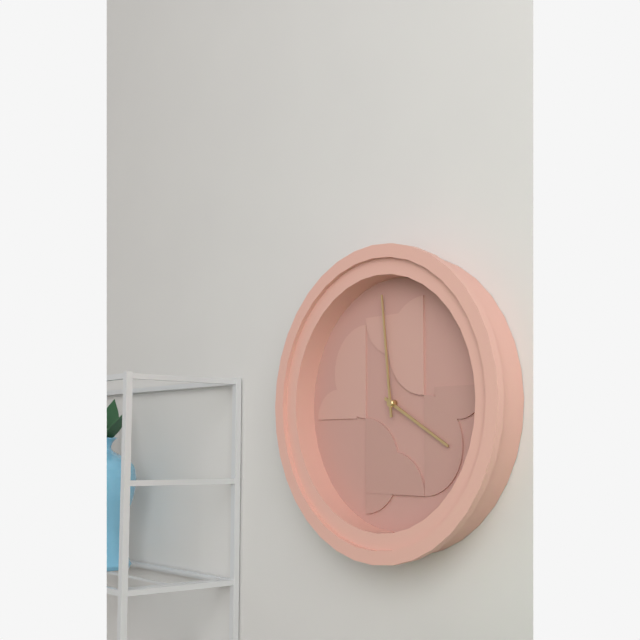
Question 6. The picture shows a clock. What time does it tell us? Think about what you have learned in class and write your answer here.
3:59
